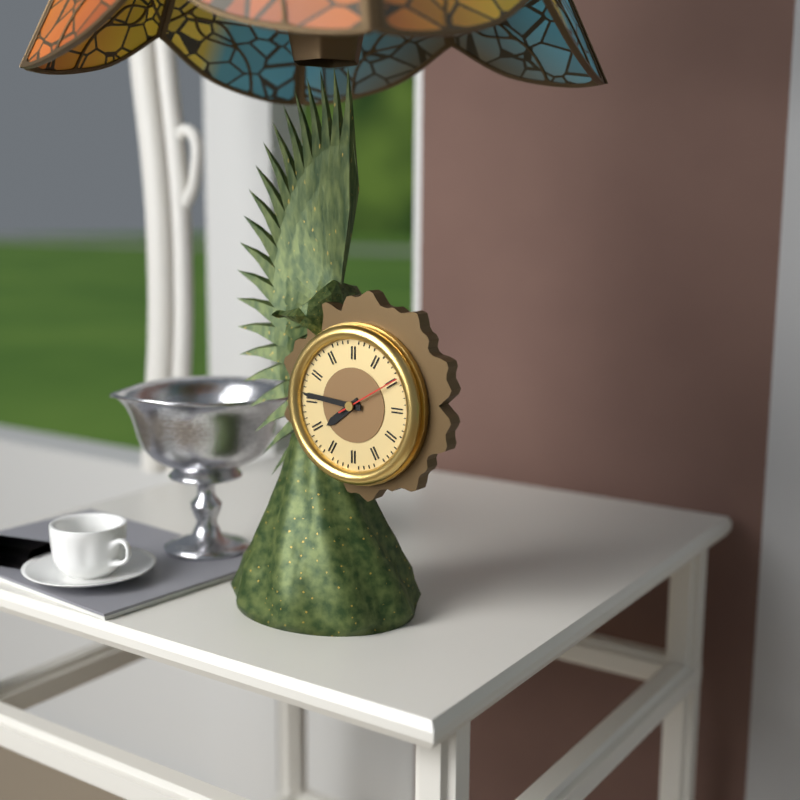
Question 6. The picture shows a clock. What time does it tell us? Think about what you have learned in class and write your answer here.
7:46:10
